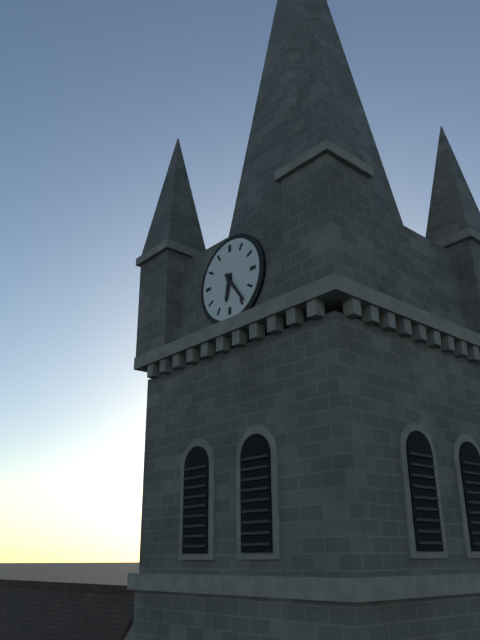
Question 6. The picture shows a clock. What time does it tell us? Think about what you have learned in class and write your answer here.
6:24
